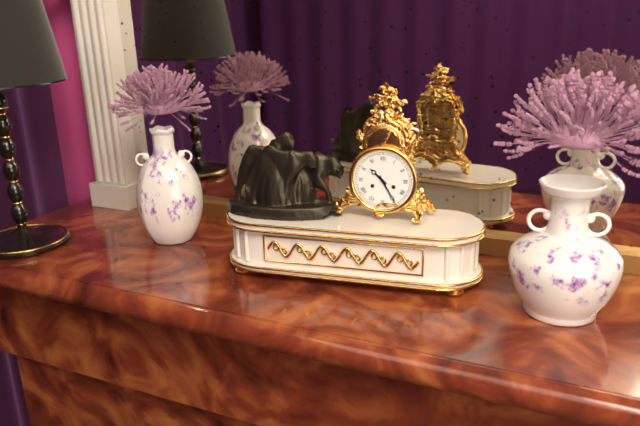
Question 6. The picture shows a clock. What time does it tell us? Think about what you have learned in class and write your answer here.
10:25
